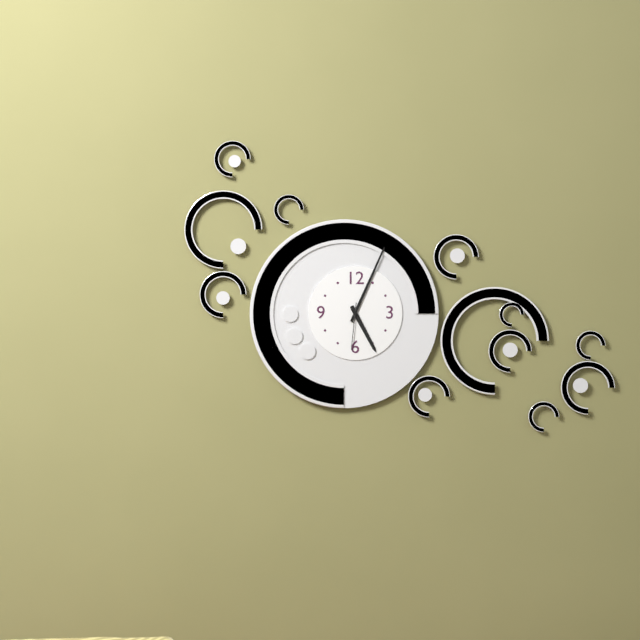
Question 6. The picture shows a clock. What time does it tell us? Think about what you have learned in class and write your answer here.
5:04
